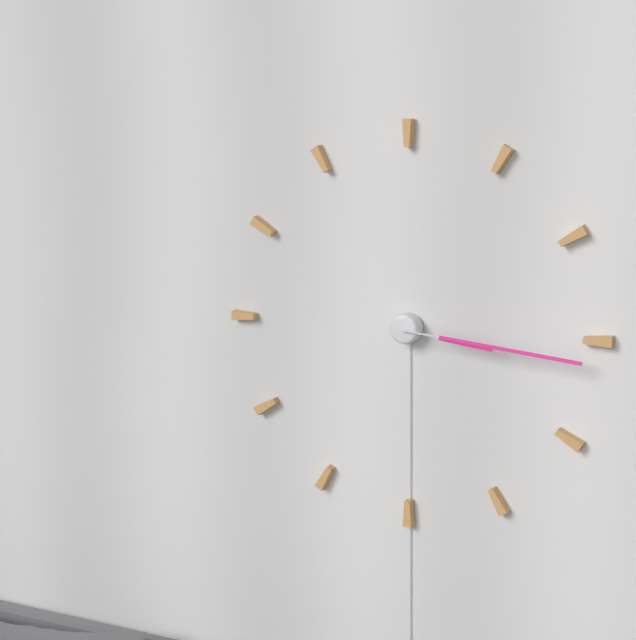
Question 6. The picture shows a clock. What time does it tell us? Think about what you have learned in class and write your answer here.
3:16
